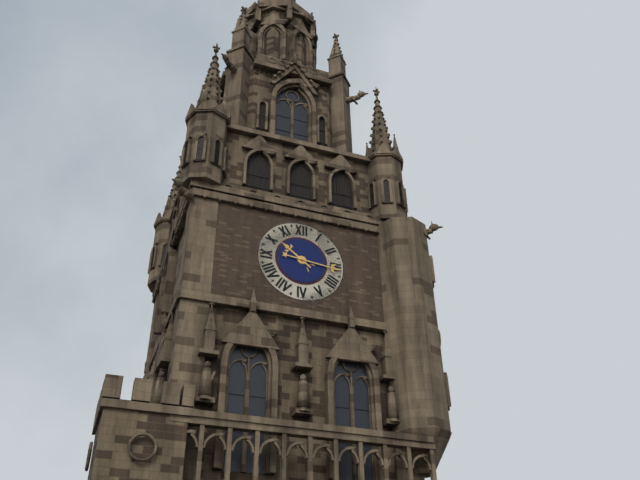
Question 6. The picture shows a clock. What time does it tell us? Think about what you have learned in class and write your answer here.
10:16
